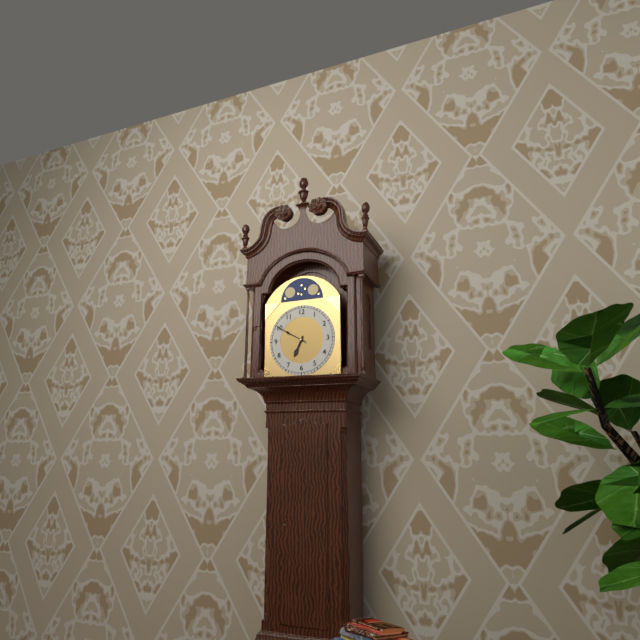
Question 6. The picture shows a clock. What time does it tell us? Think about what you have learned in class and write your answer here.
6:50
